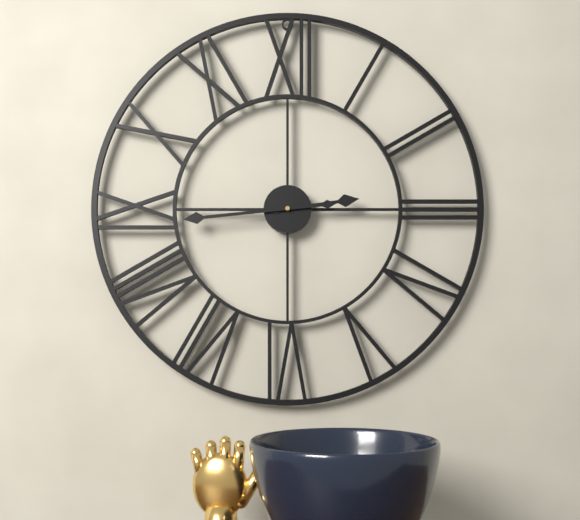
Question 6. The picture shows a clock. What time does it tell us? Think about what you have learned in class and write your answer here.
2:44
